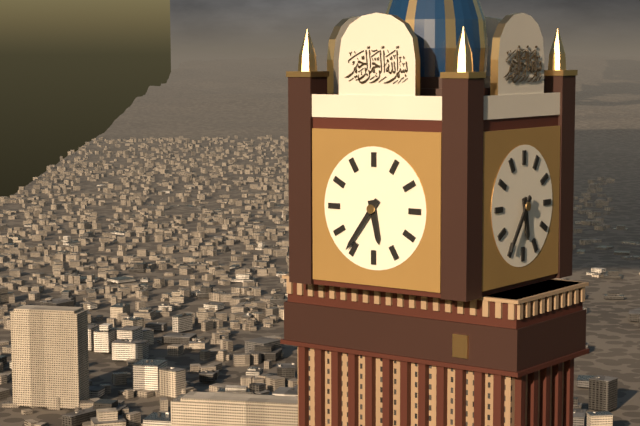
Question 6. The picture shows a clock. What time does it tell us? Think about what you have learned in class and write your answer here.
5:36
